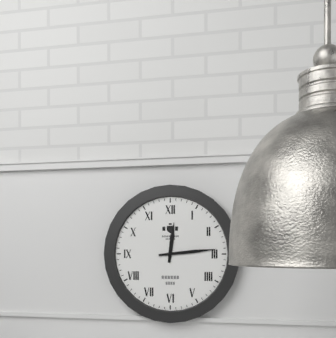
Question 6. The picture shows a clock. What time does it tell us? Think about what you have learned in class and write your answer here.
12:14
